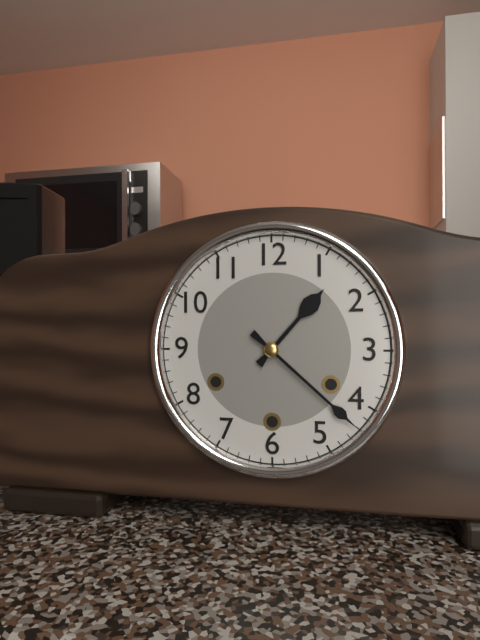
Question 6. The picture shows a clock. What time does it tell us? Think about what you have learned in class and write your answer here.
1:22
